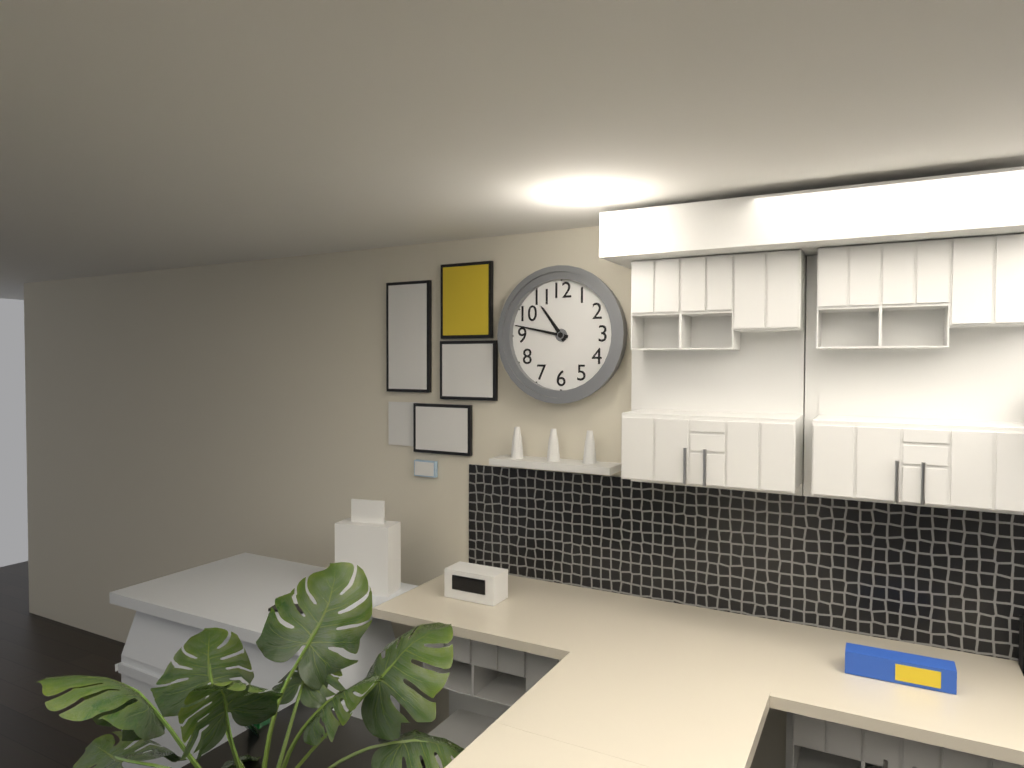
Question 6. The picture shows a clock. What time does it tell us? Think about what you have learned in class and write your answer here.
10:47
